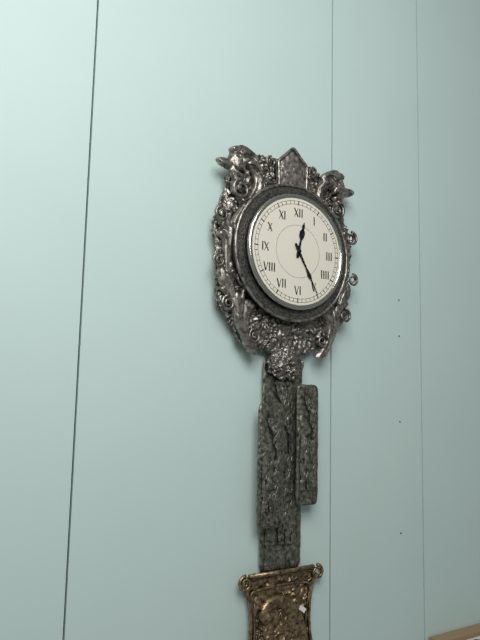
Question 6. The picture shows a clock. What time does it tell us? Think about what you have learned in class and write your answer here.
12:25
